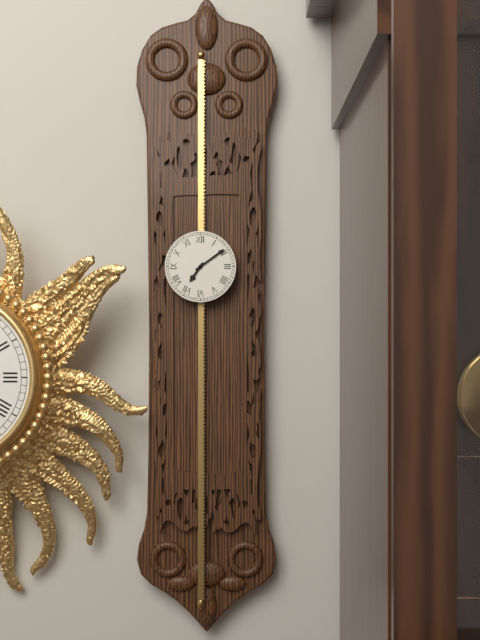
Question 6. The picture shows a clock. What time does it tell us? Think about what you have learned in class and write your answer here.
7:09
